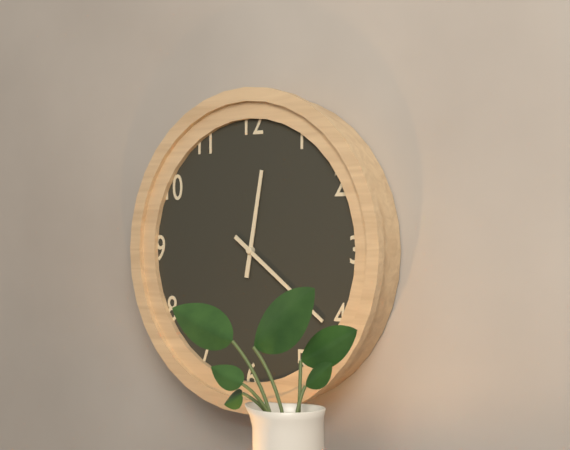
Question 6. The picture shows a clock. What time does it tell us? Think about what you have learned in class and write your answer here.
12:21
